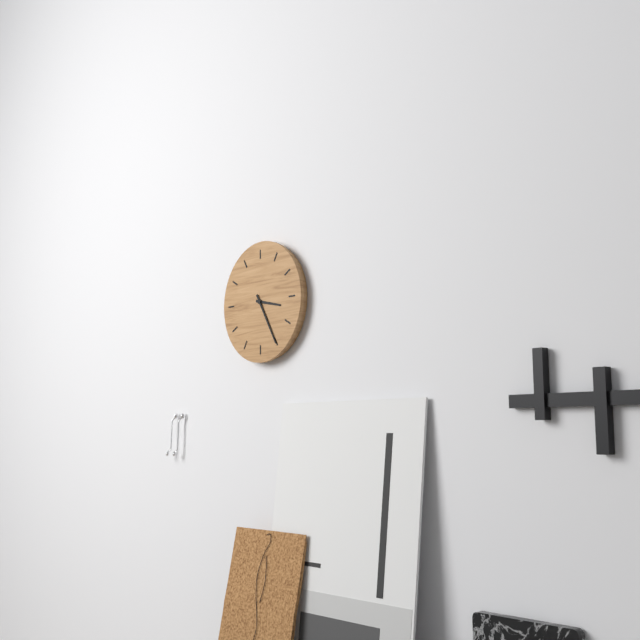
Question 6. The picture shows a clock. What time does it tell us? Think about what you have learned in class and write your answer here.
3:25
